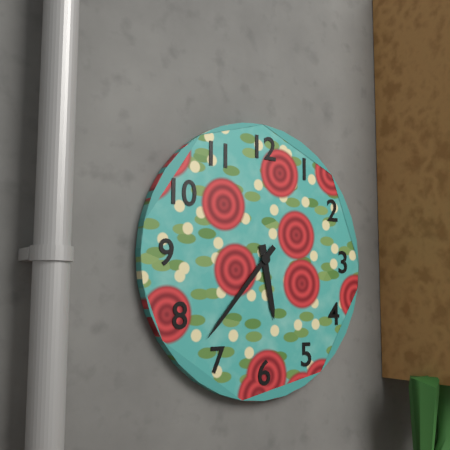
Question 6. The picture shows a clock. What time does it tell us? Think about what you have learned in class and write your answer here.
5:37
